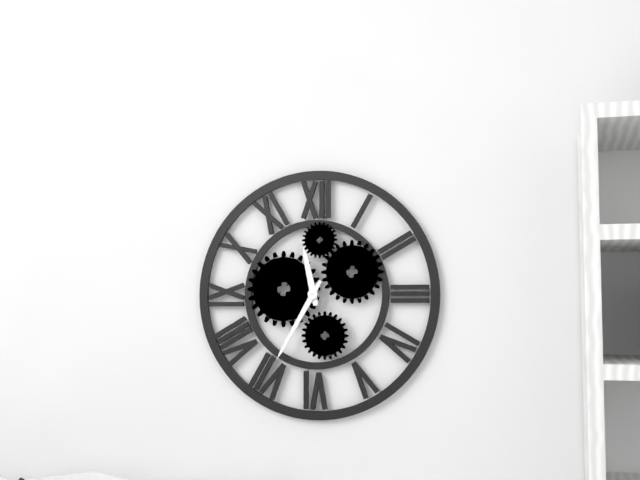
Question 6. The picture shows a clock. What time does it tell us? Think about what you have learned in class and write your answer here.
11:35
